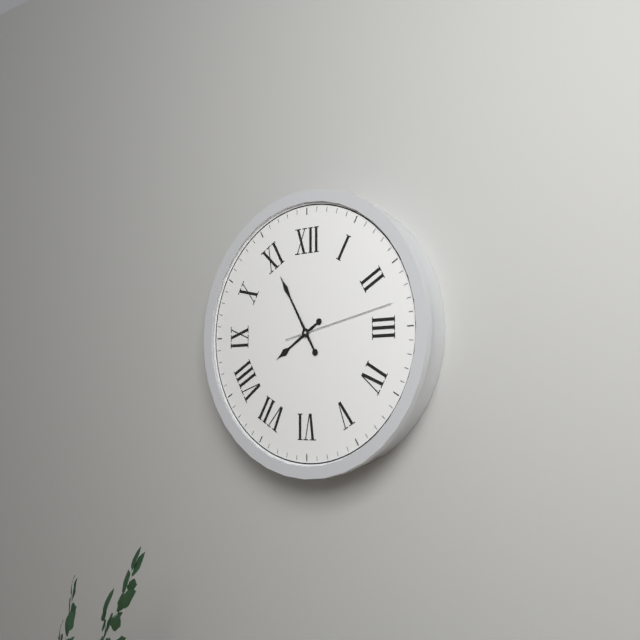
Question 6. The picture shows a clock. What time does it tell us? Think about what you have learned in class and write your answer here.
7:55:13
